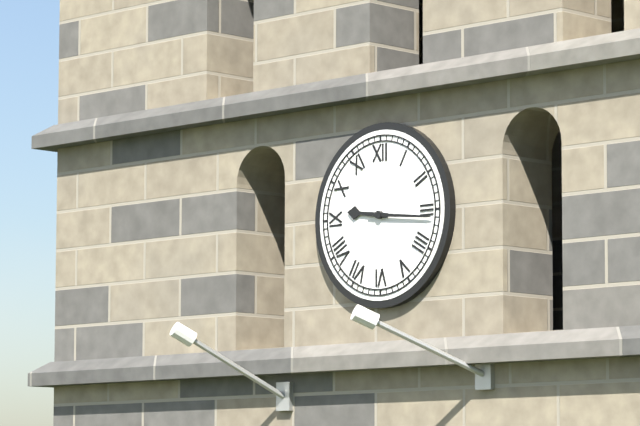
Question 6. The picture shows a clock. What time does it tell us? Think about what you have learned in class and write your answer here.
9:16
